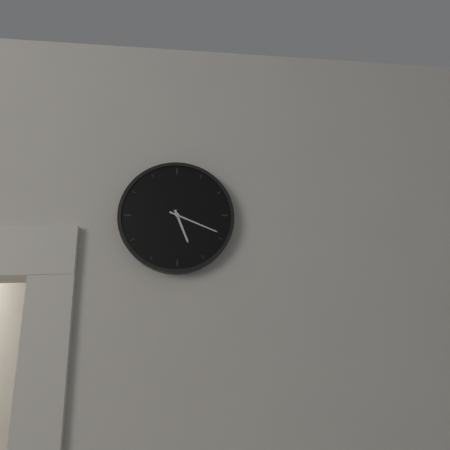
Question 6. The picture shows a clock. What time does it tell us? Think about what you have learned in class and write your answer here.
5:19
